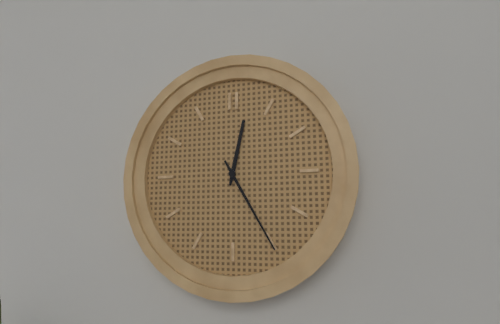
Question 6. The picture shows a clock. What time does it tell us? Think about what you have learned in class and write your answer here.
12:25
